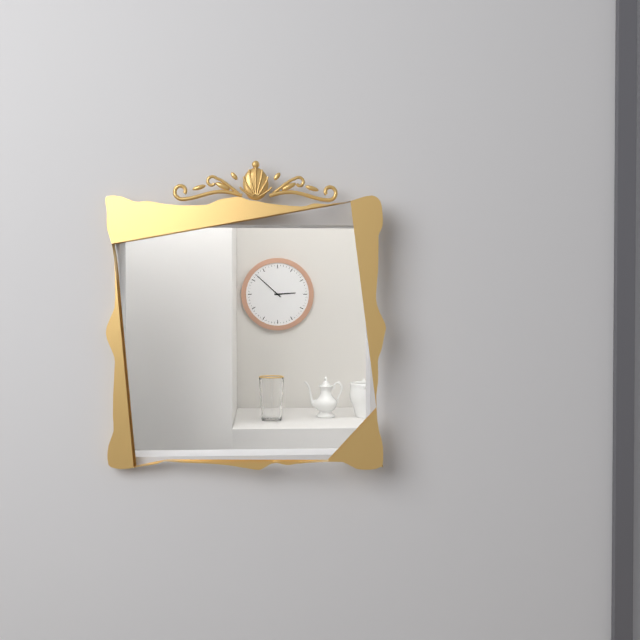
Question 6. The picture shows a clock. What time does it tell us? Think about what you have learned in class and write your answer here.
2:52
